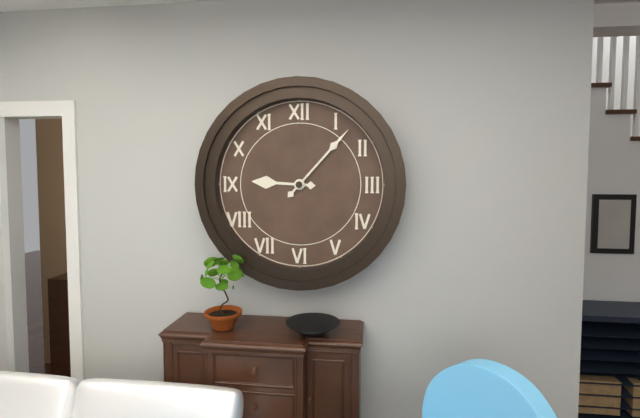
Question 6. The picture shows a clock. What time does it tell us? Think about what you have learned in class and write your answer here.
9:07
